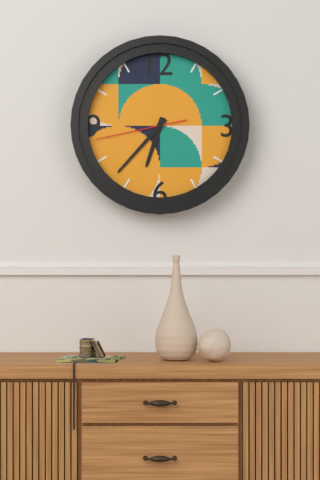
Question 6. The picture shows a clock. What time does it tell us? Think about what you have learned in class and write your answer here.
6:37:43
